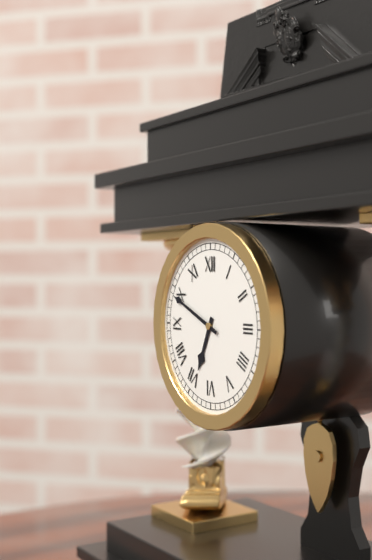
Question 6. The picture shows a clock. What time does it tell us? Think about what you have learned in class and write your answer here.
6:49
